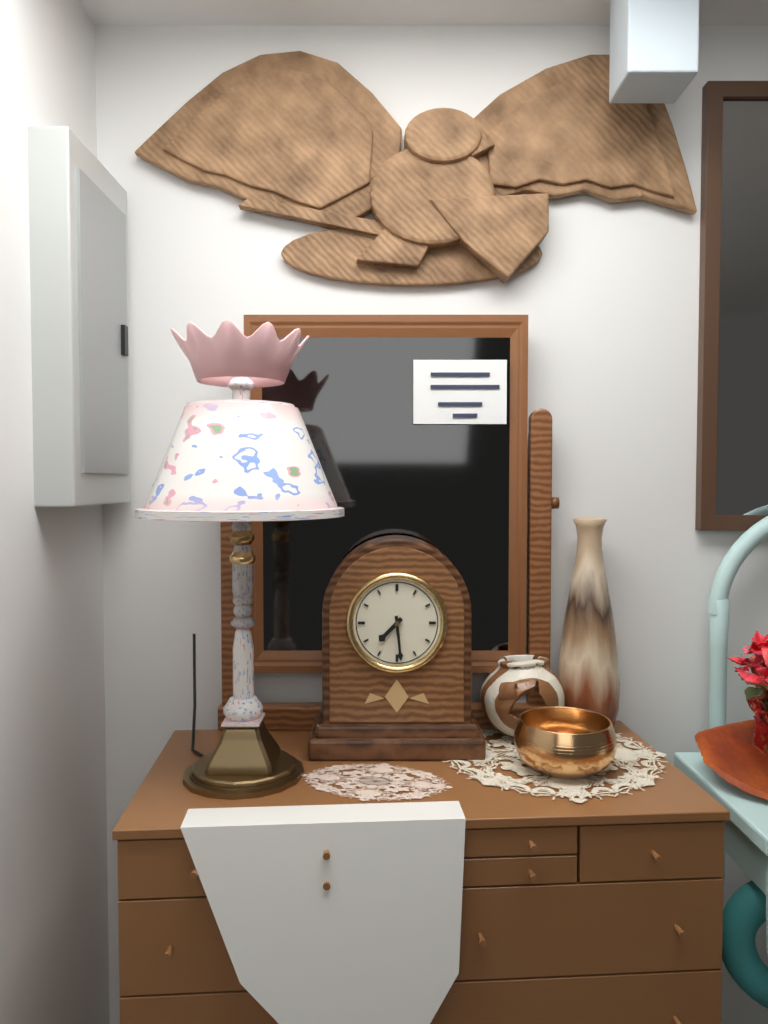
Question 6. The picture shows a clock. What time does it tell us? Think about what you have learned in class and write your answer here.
7:29
